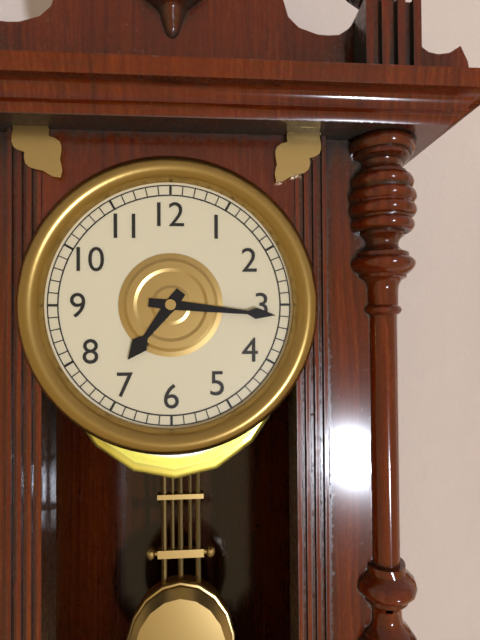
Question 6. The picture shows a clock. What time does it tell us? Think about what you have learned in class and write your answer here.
7:16
